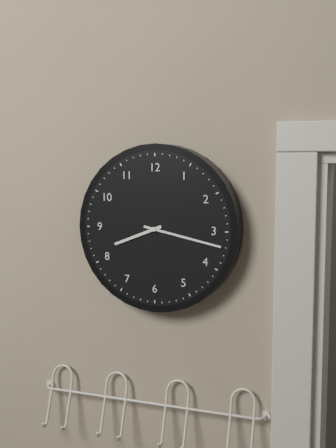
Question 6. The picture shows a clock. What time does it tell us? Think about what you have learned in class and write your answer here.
8:17
